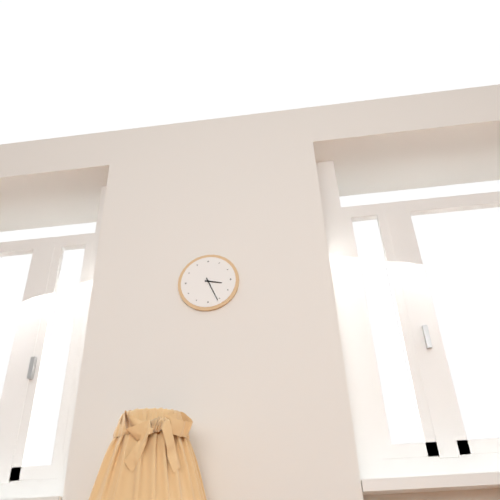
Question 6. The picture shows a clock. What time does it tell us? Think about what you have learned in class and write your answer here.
3:26
